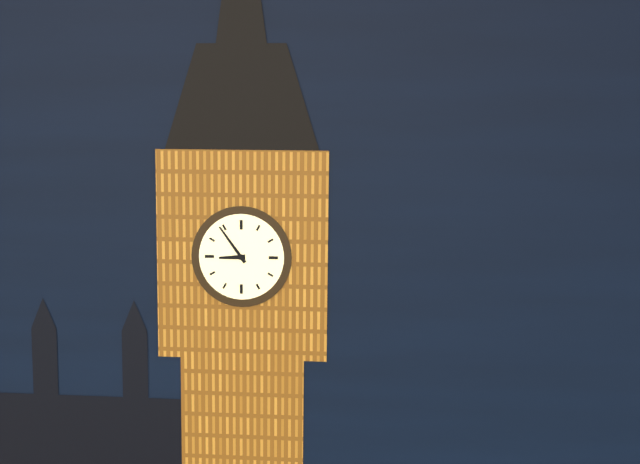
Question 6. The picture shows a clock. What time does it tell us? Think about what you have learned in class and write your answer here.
8:54
